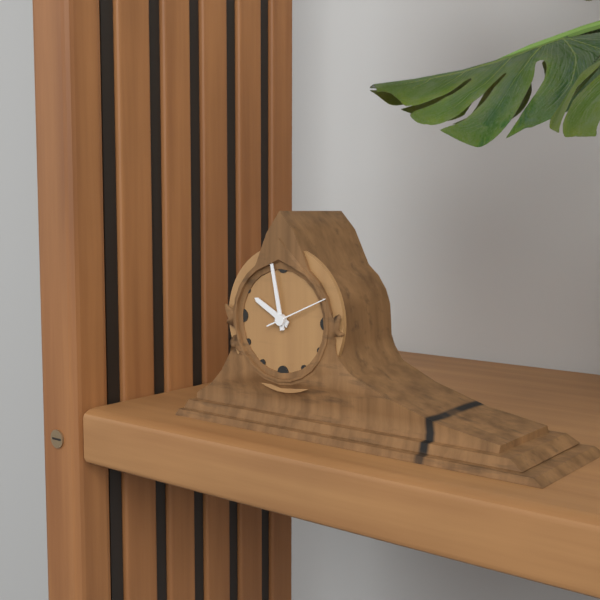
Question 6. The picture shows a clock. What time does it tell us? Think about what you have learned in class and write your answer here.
9:58:11
